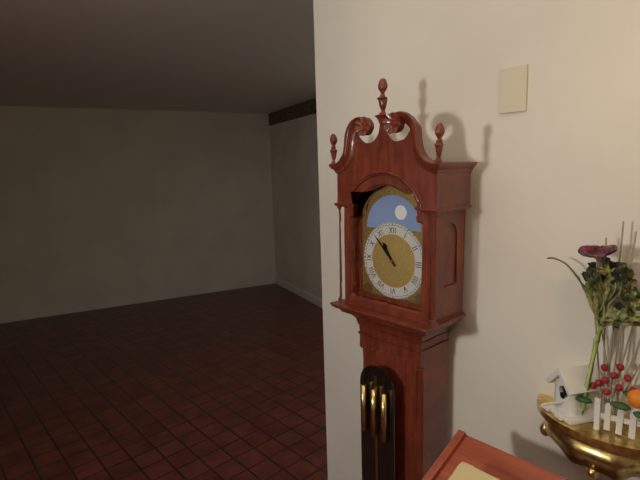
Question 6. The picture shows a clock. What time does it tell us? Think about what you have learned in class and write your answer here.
10:53
